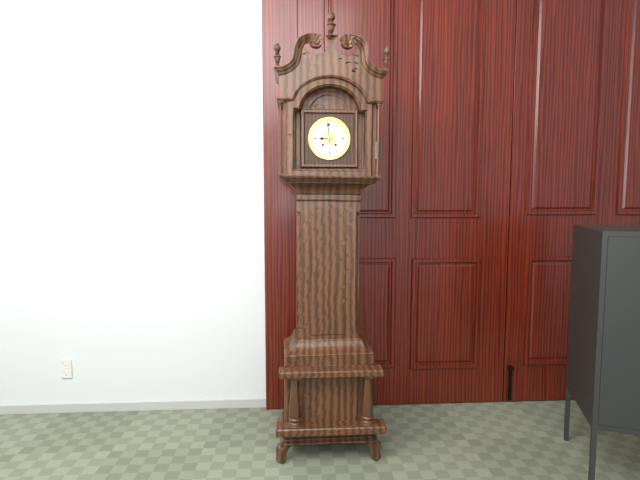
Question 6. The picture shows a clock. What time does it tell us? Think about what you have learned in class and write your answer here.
8:59
